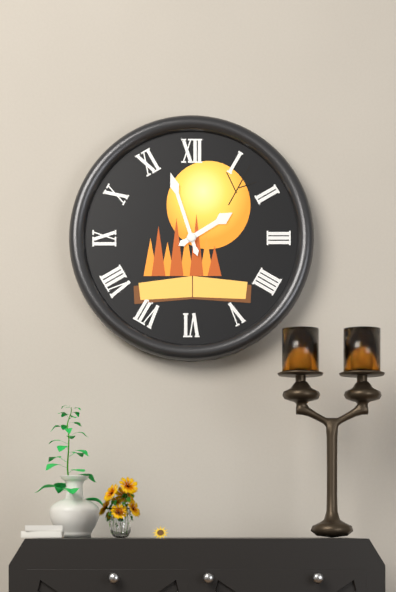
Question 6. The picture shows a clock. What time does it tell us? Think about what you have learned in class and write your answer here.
1:57
